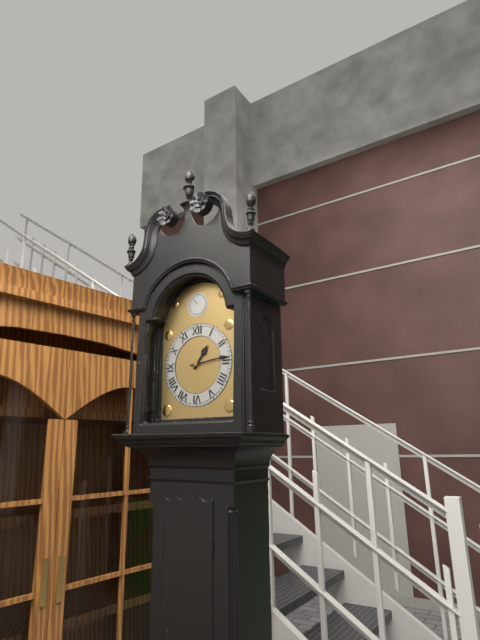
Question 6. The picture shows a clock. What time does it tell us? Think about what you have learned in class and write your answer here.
1:14
